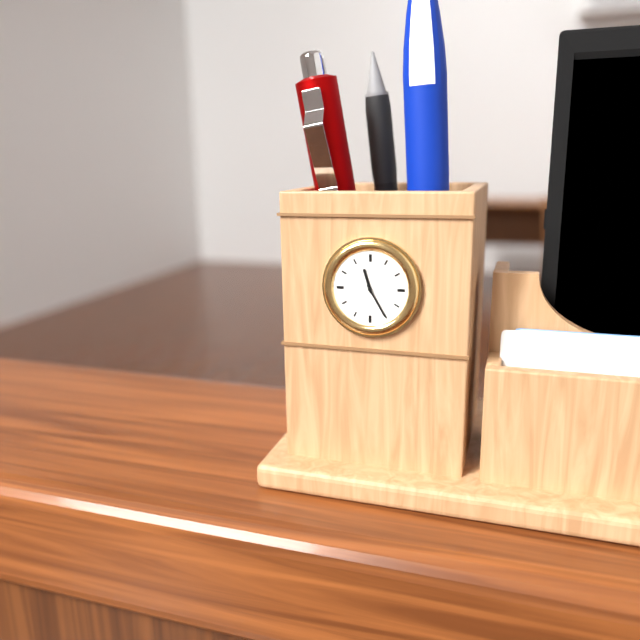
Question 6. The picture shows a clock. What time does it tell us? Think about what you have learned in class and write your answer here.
11:25
